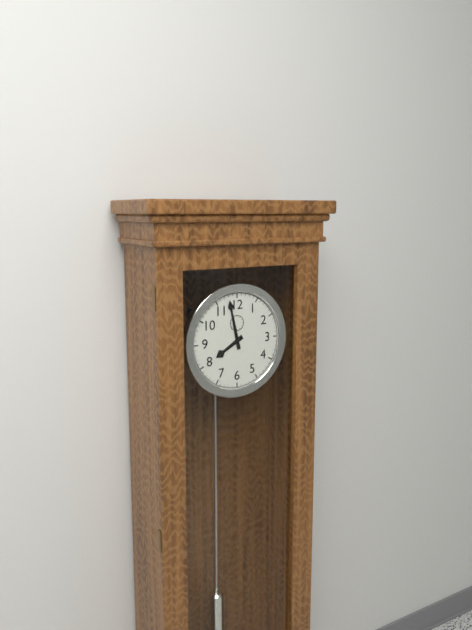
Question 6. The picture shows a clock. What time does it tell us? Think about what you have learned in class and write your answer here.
7:58
